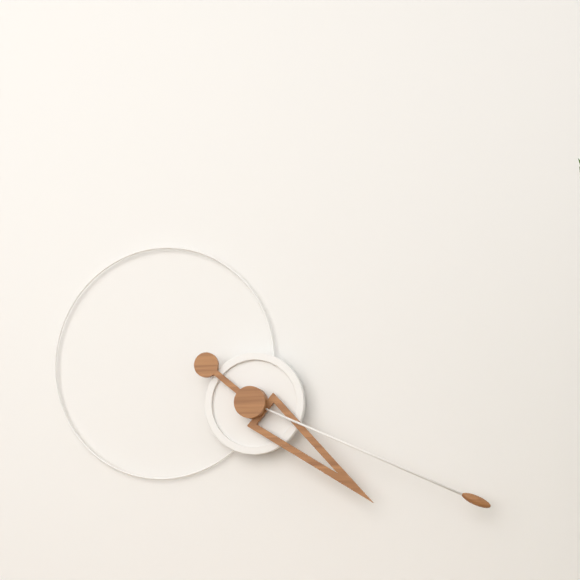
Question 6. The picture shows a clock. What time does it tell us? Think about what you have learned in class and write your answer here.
4:19
